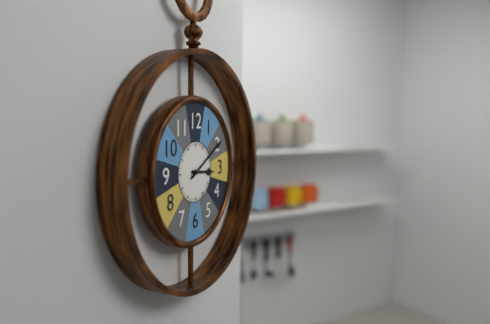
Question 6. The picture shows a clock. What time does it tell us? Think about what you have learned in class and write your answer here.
3:10
